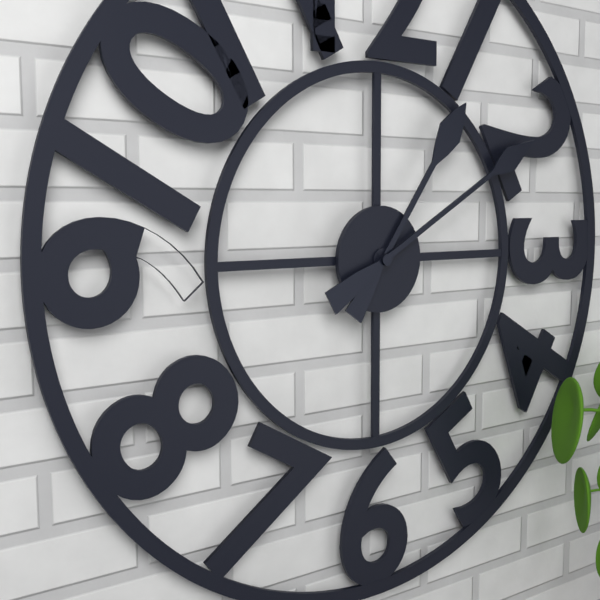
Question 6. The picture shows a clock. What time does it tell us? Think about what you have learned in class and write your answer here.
1:10
